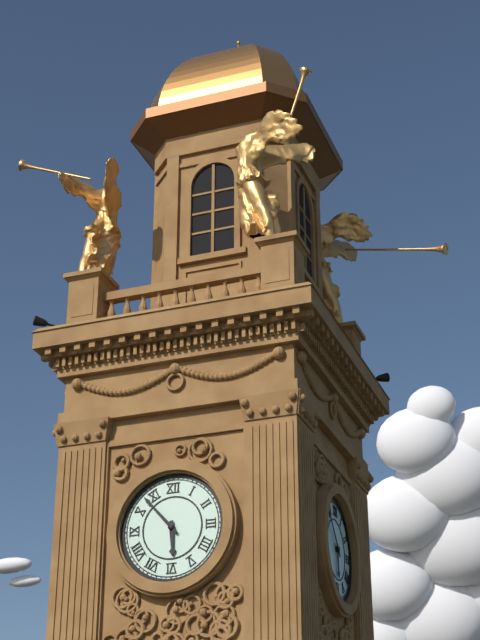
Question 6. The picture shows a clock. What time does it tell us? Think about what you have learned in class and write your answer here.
5:53
